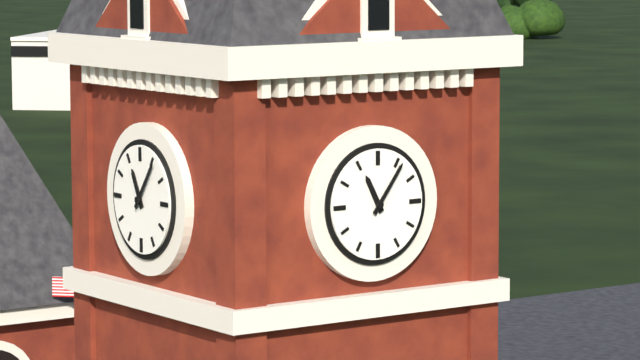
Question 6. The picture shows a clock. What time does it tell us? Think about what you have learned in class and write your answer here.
11:06
